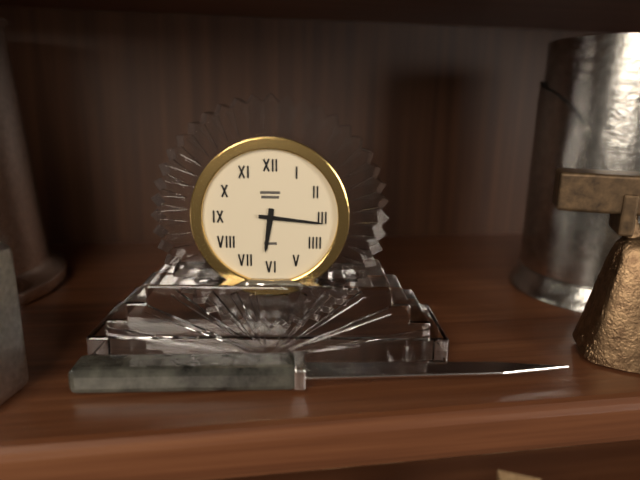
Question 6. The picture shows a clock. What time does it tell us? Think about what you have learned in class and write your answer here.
6:16
